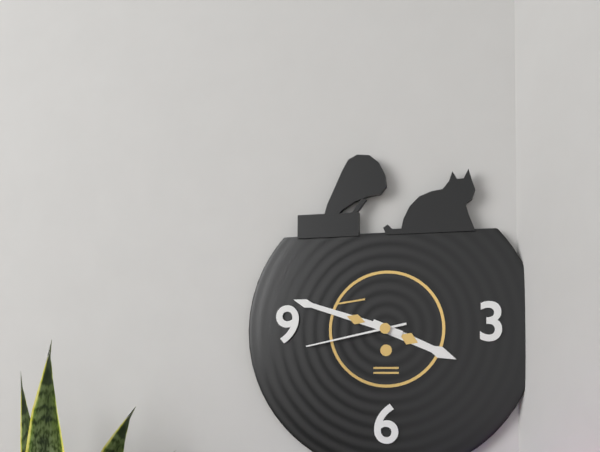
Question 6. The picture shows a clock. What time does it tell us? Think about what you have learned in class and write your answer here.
3:48:43
